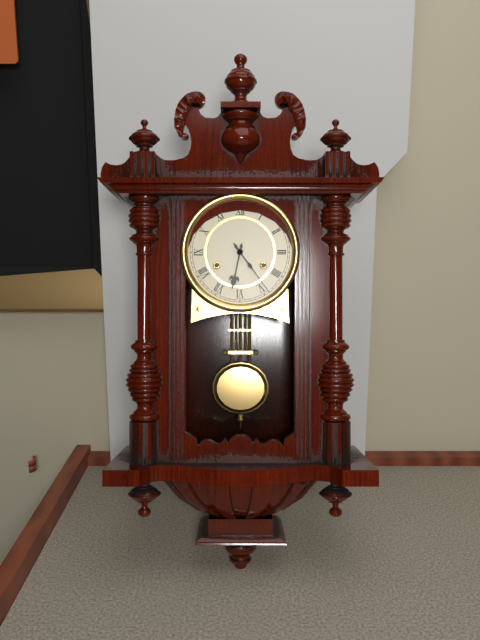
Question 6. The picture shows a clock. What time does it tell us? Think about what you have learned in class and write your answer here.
6:24
